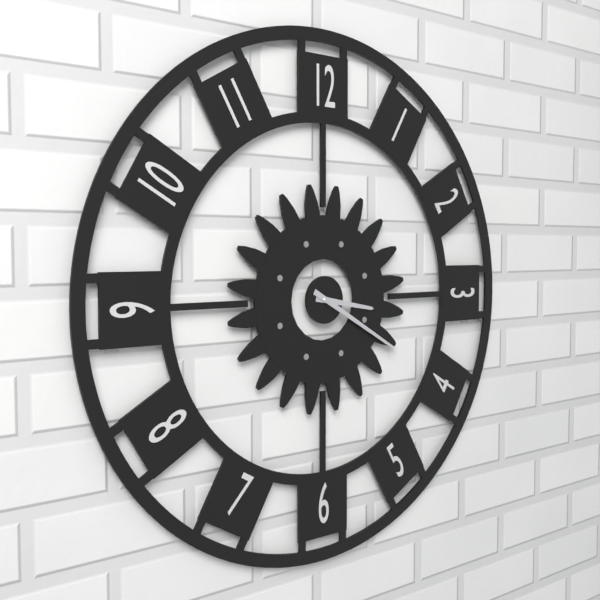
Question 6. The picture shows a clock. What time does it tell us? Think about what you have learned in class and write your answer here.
3:20
